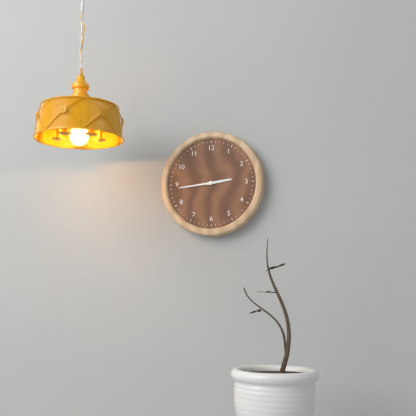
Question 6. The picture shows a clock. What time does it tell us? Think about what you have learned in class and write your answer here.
2:44
